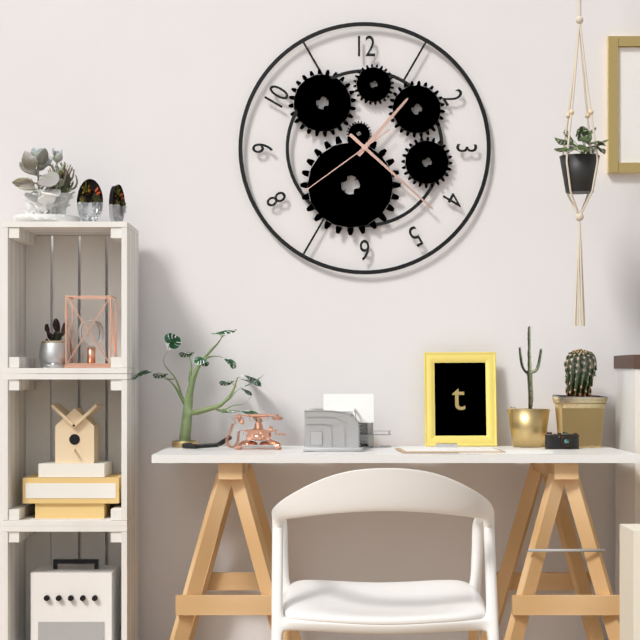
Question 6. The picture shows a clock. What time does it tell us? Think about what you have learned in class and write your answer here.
1:22:39
